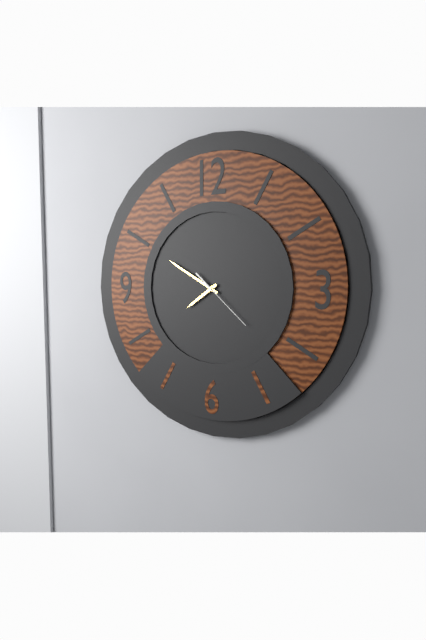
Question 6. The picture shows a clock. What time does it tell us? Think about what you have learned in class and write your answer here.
7:50:22
